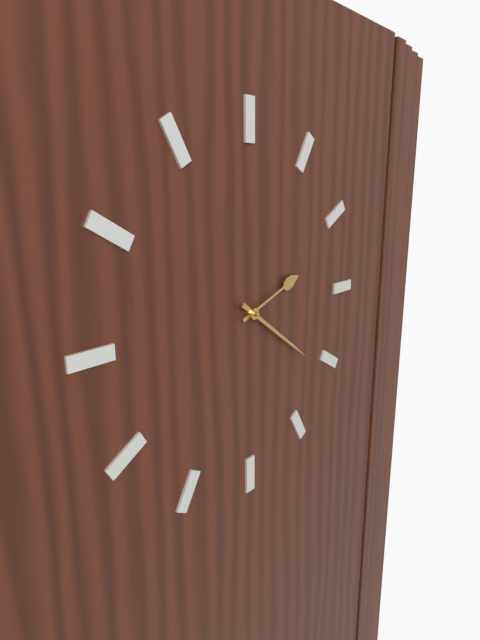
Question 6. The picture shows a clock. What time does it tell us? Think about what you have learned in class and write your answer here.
2:21
